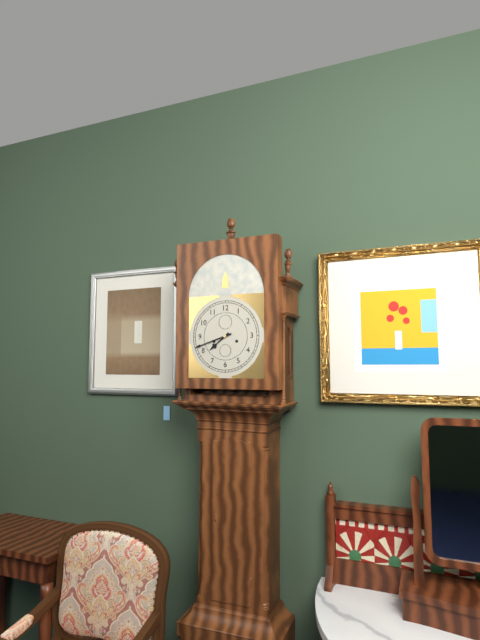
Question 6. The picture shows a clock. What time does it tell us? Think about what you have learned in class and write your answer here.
7:42
